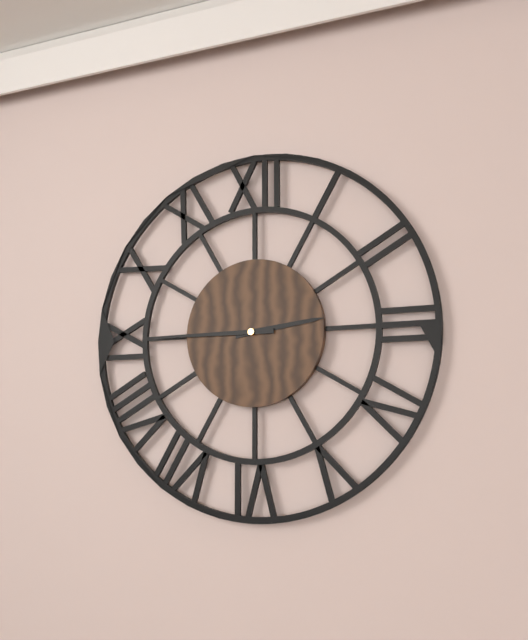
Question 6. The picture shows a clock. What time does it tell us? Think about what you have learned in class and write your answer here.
2:45
